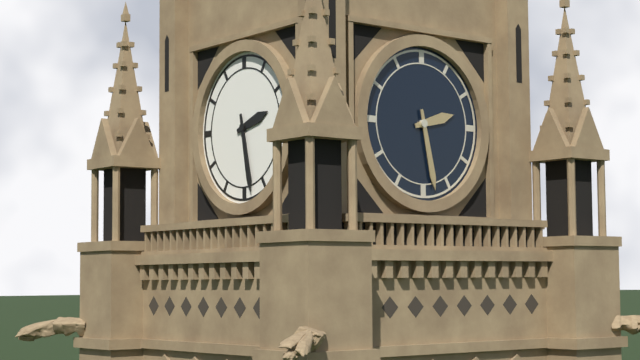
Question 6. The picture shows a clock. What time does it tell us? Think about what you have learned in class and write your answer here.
2:28
